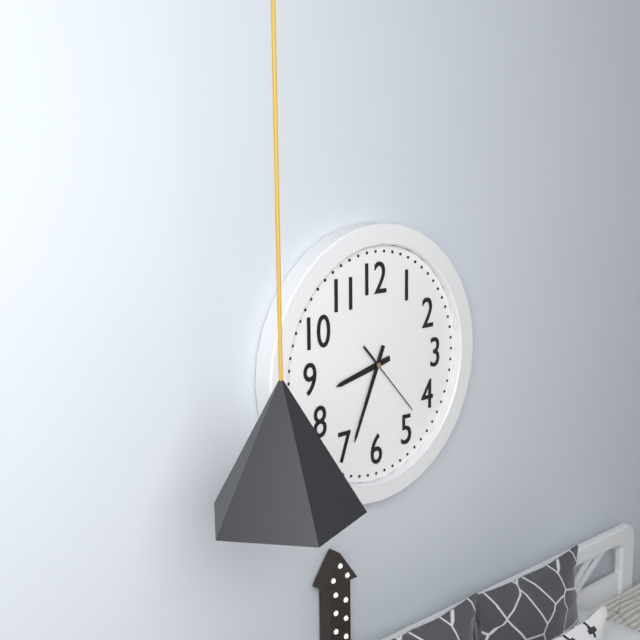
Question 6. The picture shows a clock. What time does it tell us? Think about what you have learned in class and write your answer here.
8:34:23
